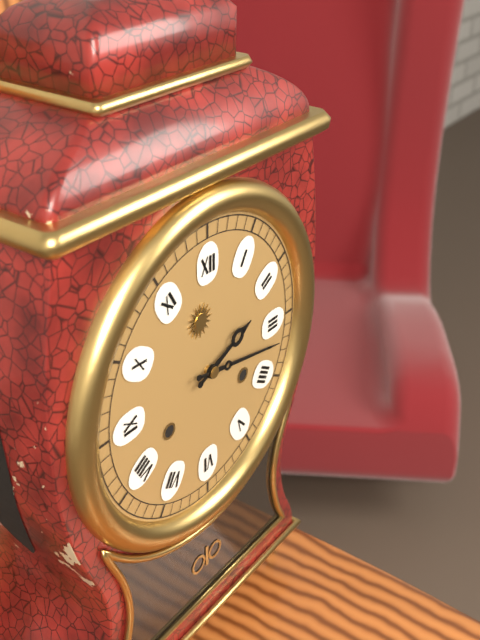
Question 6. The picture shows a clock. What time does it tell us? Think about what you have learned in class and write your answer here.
2:17
